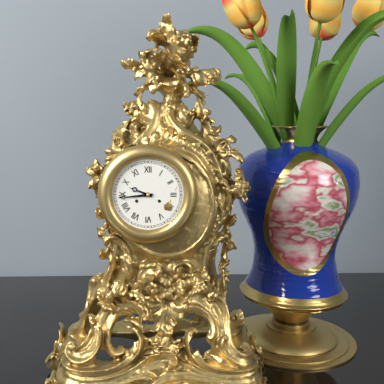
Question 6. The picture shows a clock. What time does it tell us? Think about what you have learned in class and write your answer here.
9:44
